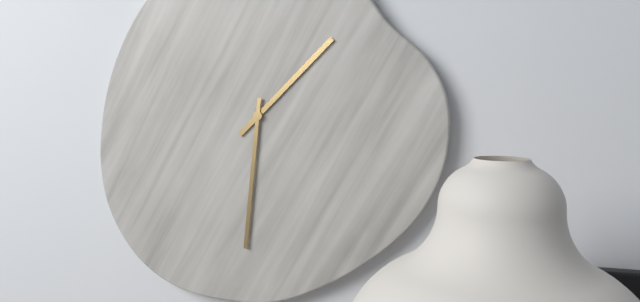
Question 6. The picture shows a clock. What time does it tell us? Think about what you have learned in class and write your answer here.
1:31
